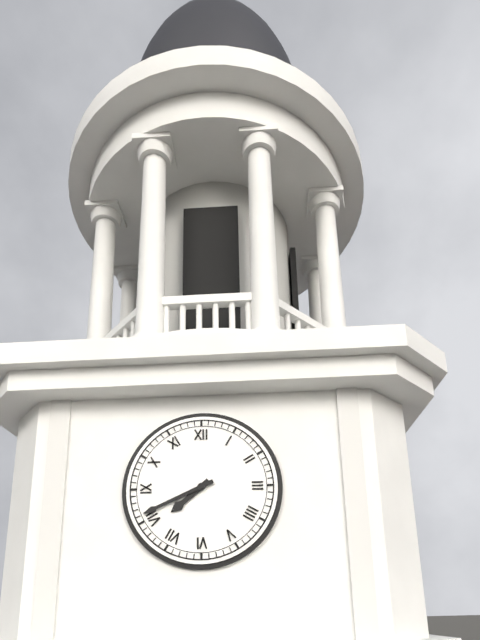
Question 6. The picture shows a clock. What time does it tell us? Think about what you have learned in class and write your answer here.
7:41
